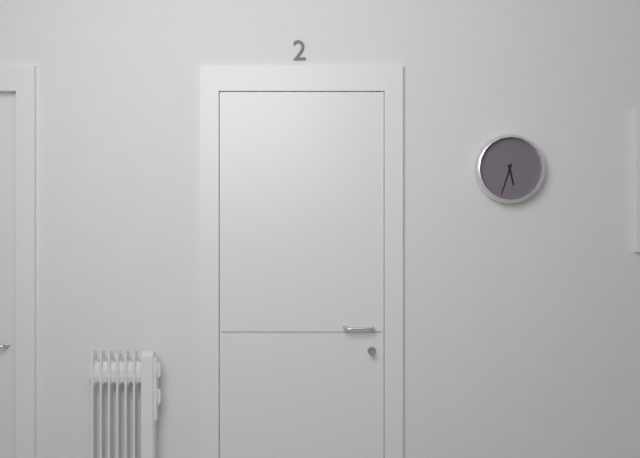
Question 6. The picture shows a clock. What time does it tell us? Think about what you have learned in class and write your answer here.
5:33
